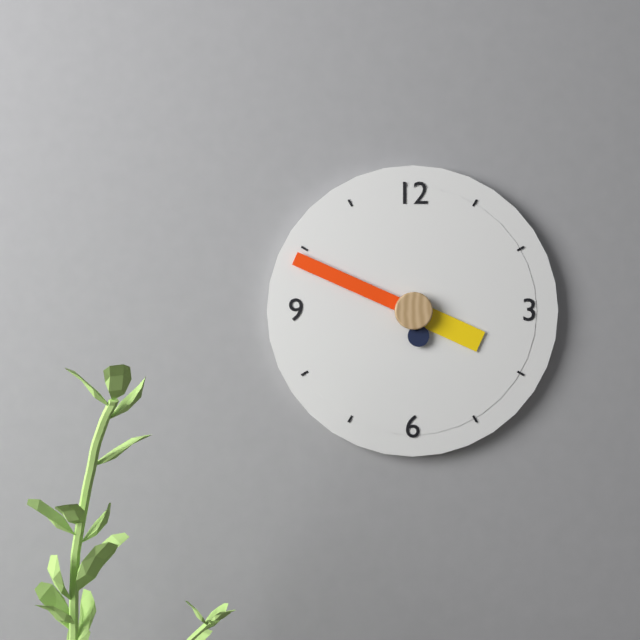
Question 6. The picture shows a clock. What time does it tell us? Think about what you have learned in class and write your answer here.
3:49
